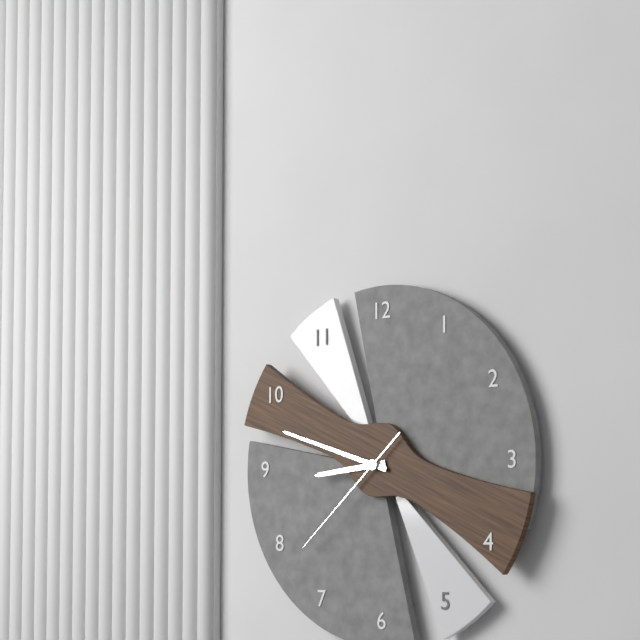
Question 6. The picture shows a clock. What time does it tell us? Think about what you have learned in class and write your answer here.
8:48:38
